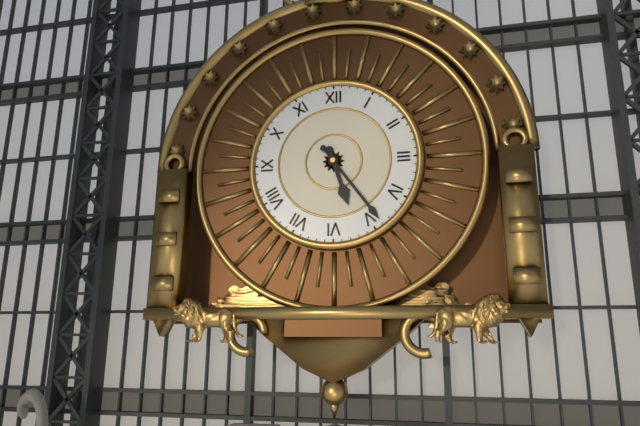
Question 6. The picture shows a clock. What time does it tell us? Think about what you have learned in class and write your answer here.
5:24
